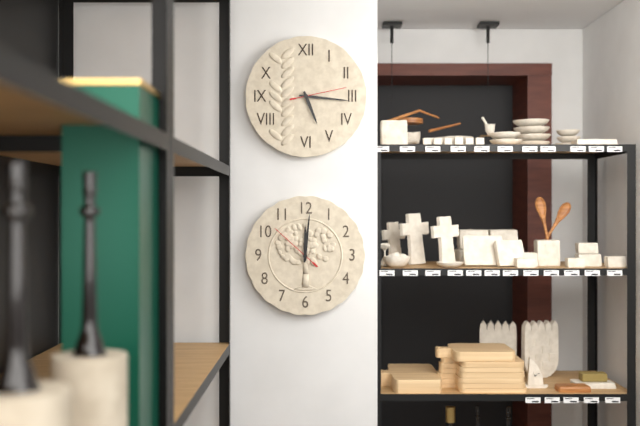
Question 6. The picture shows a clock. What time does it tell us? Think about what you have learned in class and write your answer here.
5:16:13
